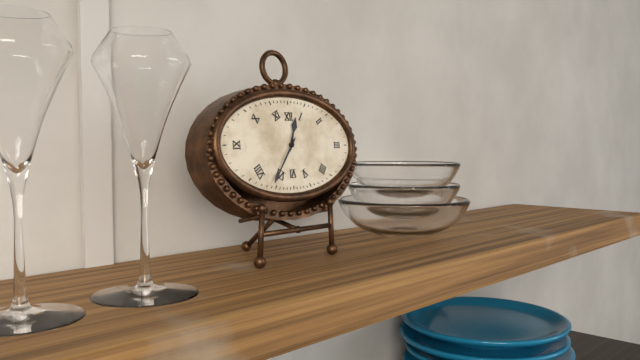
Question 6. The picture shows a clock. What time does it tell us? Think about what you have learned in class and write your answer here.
12:36
